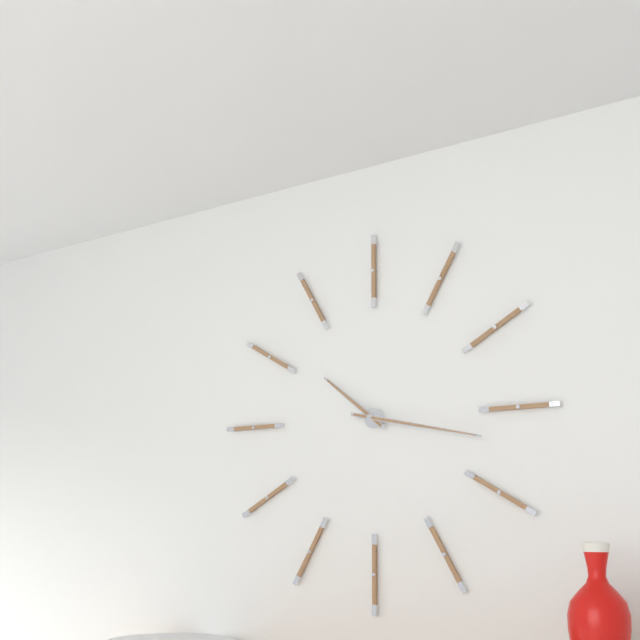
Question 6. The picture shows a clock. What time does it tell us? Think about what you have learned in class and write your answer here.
10:17
